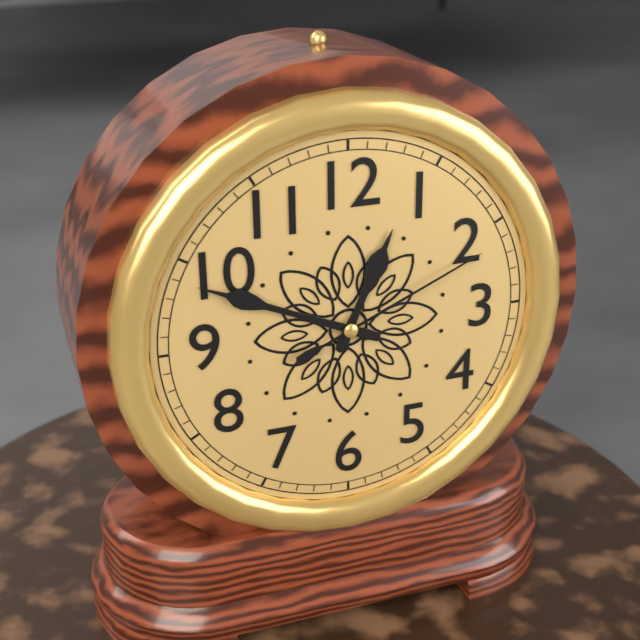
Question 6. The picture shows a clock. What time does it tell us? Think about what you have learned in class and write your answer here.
12:49:11
